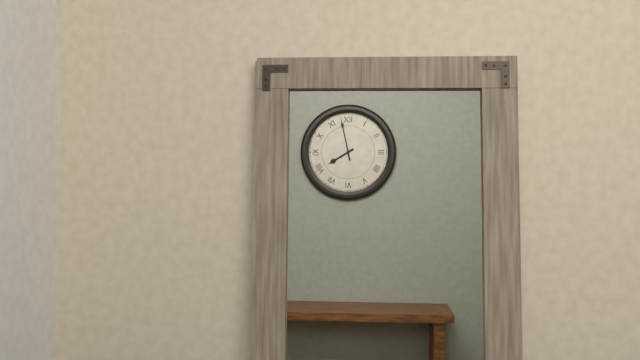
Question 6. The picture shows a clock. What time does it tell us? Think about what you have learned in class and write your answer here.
7:58
